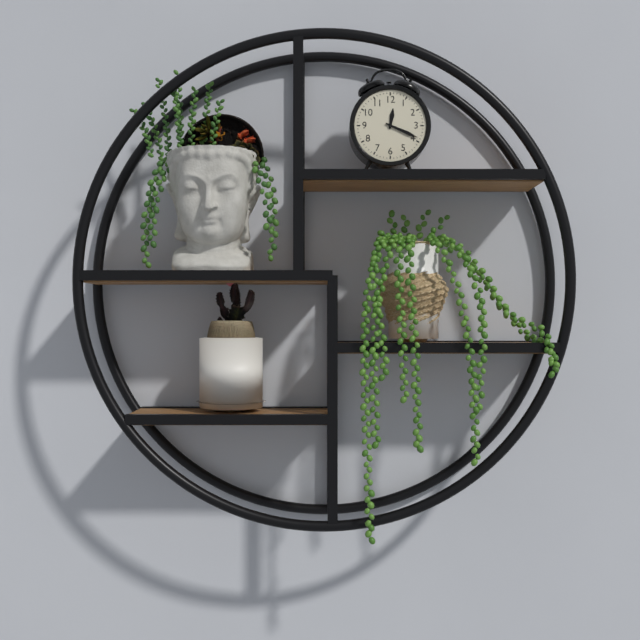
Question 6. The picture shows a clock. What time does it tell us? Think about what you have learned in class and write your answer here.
12:19
